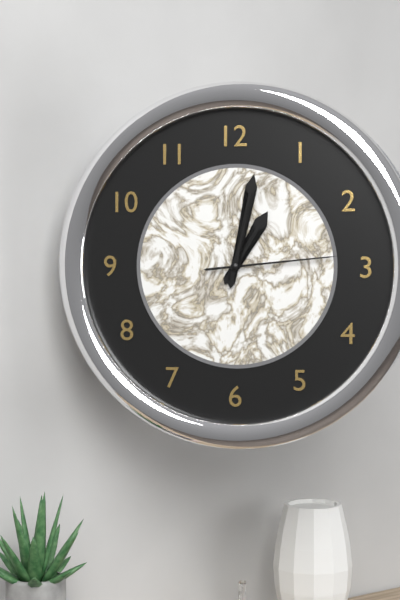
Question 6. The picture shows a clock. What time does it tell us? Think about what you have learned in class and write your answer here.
1:02:14
